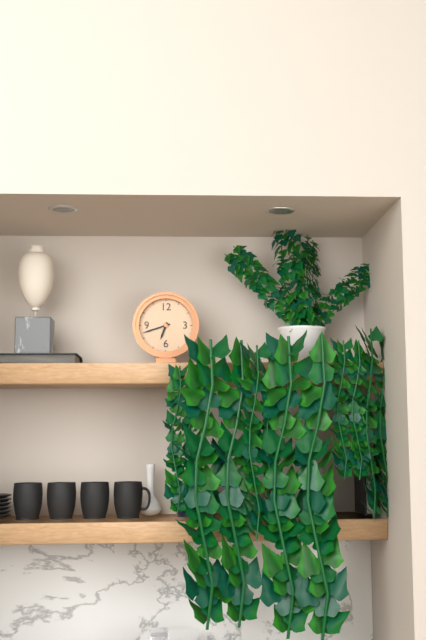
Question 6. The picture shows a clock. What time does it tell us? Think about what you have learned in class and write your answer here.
6:42
